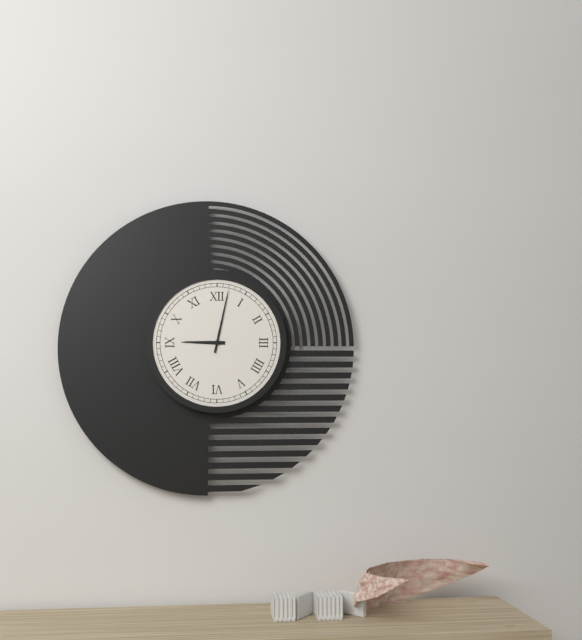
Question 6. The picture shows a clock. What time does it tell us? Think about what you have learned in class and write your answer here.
9:02
